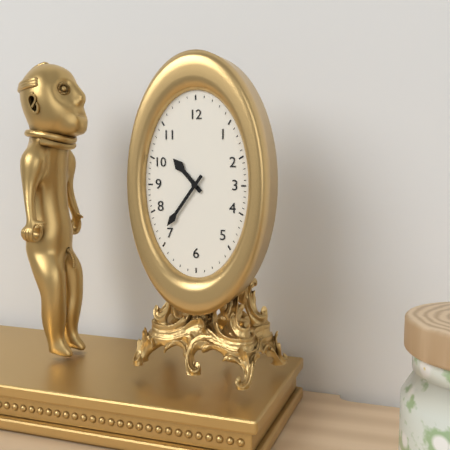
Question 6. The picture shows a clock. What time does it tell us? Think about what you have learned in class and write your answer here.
10:36
